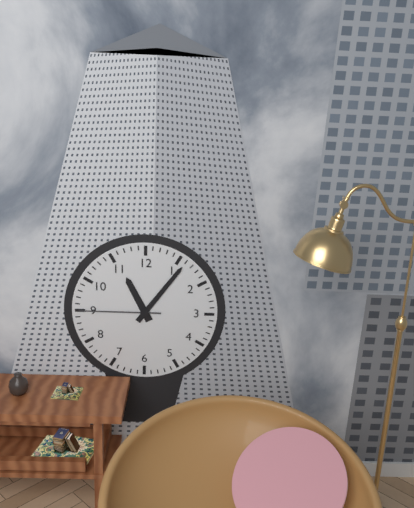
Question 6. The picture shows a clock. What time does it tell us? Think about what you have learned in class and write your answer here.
11:06:45
